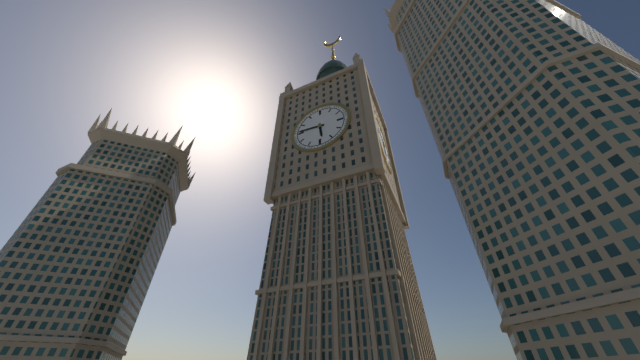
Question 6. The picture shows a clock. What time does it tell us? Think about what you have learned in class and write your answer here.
5:46
